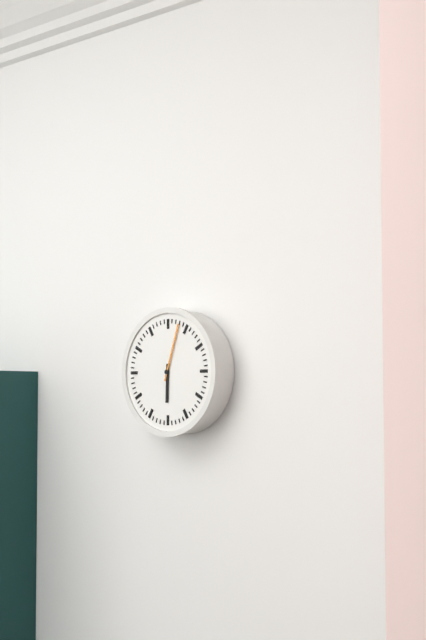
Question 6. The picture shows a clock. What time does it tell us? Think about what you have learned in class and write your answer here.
6:03
